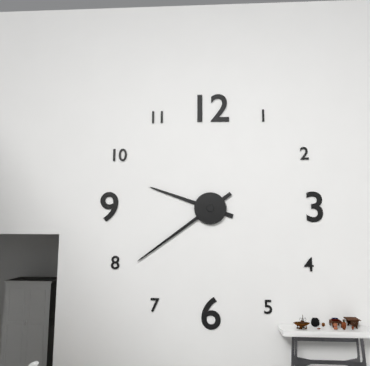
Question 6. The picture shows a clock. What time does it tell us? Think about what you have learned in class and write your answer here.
9:39
